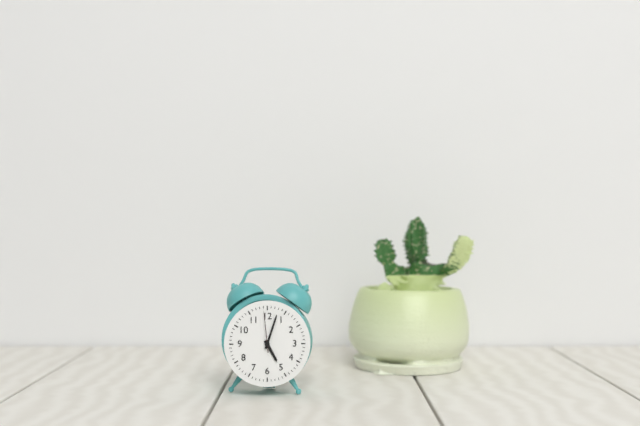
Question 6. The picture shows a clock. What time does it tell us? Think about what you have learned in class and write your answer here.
5:03
